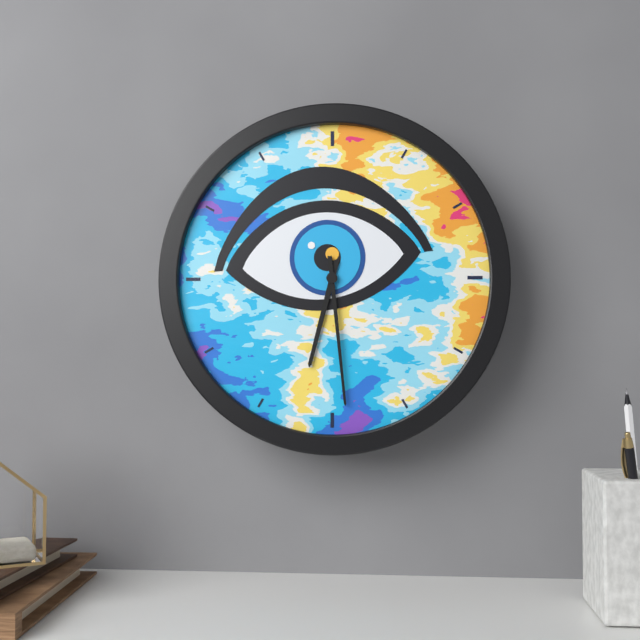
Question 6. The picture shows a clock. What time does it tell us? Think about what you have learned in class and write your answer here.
6:29
